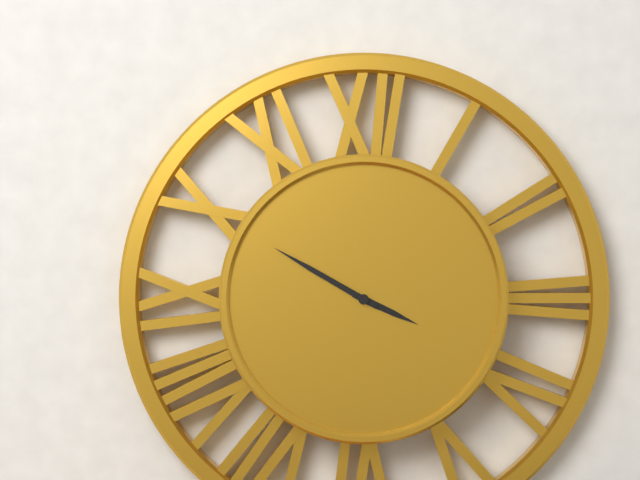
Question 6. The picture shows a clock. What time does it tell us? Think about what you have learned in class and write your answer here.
3:50
